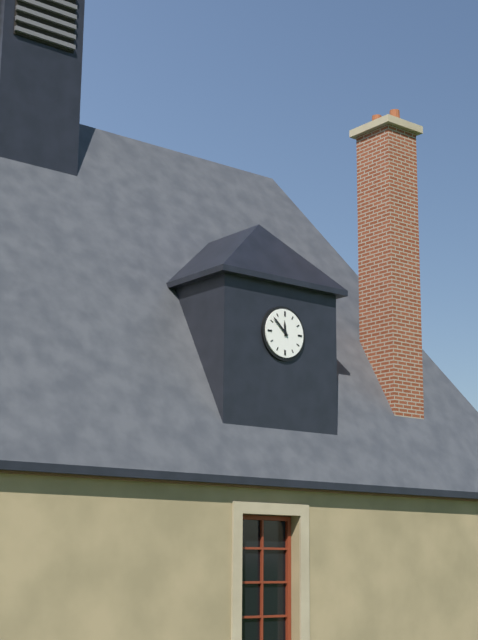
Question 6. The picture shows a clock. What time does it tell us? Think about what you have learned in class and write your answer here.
11:52
